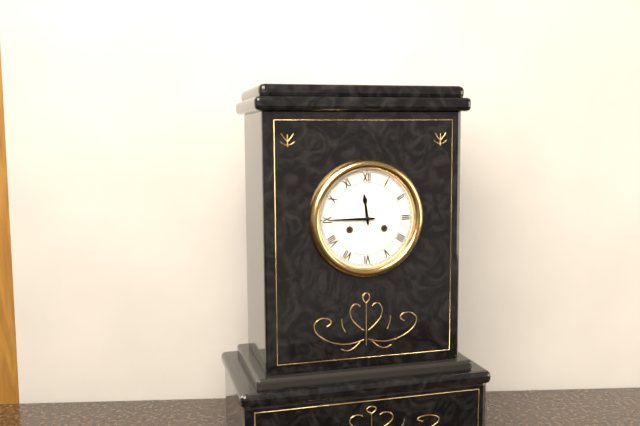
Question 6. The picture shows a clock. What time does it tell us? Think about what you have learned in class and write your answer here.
11:45
